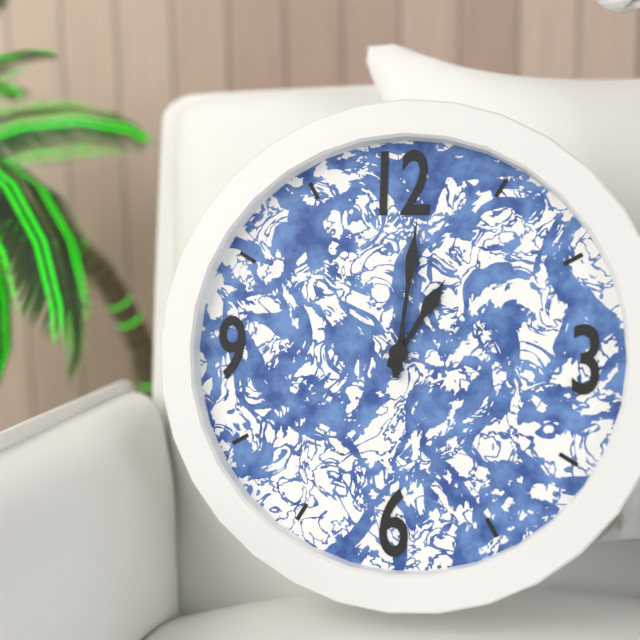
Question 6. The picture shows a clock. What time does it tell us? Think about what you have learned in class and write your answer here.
1:01
